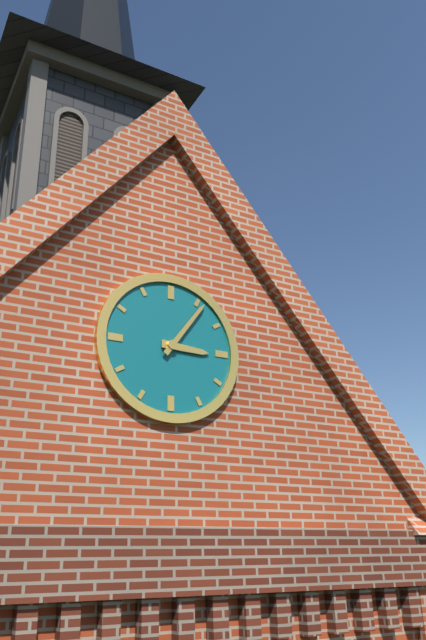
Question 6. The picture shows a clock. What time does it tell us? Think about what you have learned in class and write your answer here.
3:06
